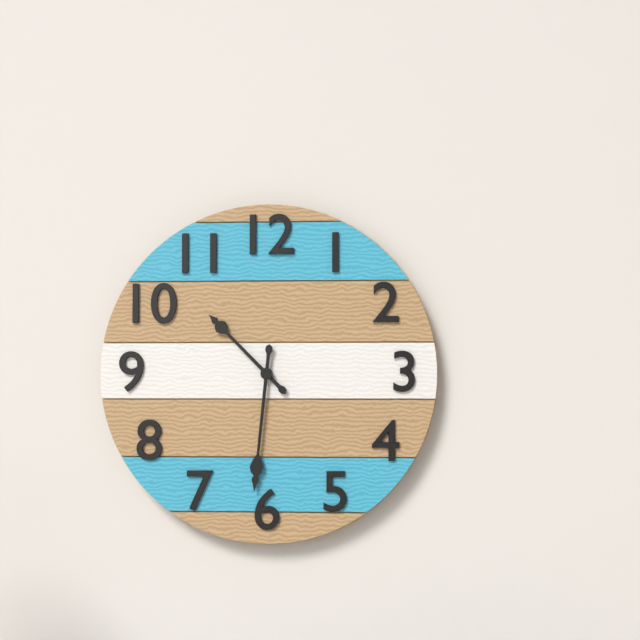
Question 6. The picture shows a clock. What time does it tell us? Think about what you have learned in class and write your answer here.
10:31
